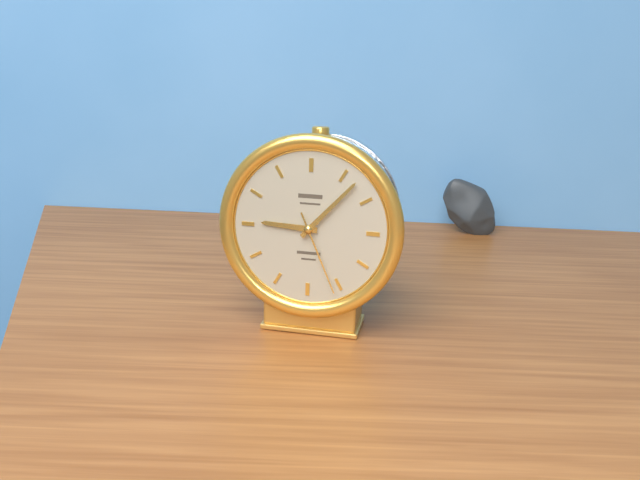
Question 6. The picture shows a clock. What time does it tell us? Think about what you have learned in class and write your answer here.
9:07:26
